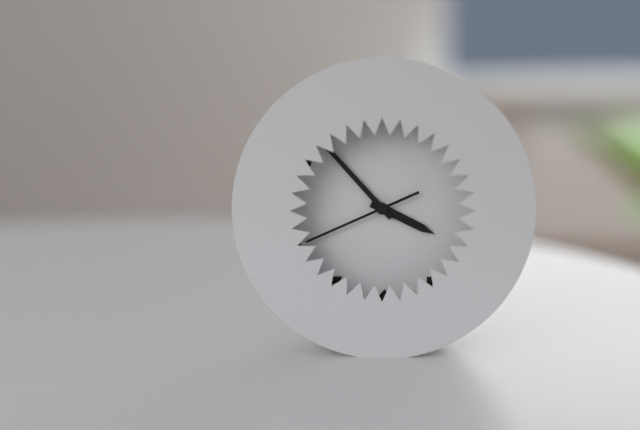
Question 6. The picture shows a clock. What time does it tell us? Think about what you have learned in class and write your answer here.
3:53:41
